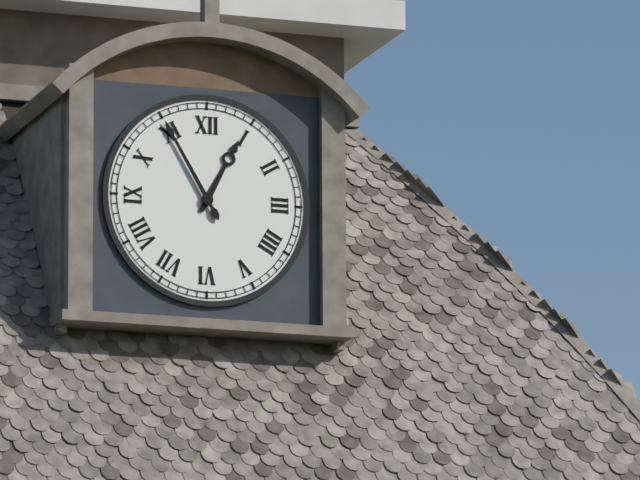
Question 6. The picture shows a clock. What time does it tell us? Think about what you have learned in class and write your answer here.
12:55
